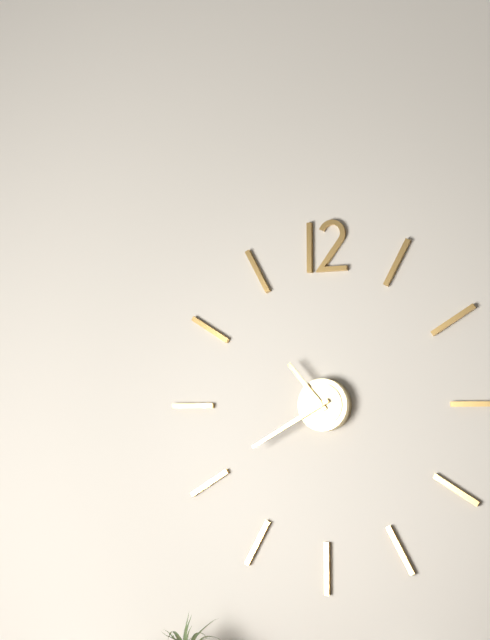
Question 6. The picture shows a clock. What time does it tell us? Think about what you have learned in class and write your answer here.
10:40
